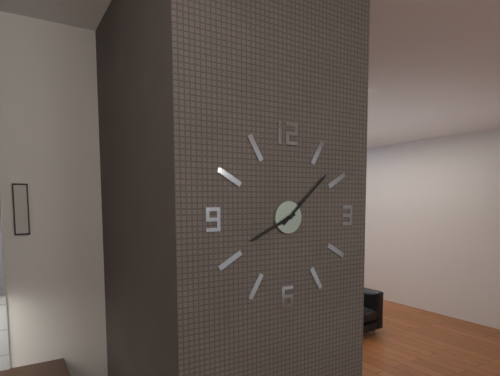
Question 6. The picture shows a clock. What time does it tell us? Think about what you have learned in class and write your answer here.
8:08
